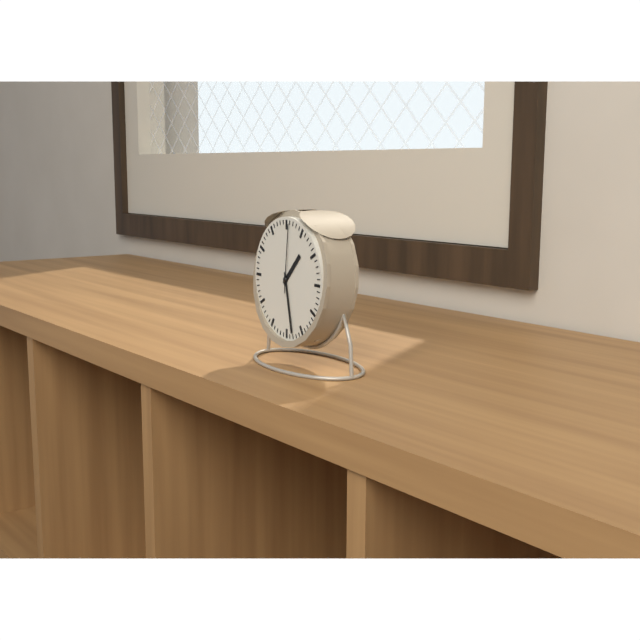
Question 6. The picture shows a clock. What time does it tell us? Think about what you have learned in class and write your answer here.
1:28:01
